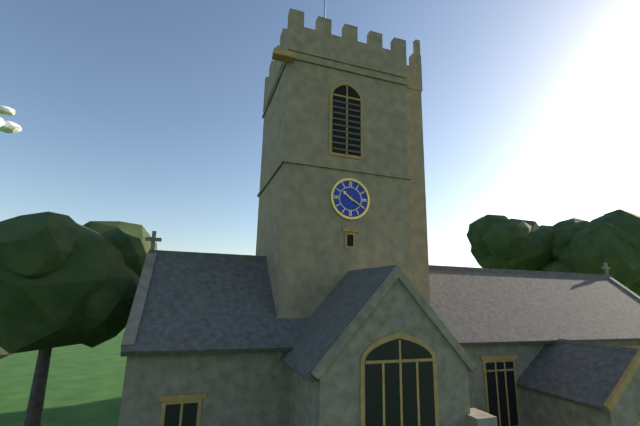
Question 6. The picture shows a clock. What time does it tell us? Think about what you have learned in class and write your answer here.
10:20
